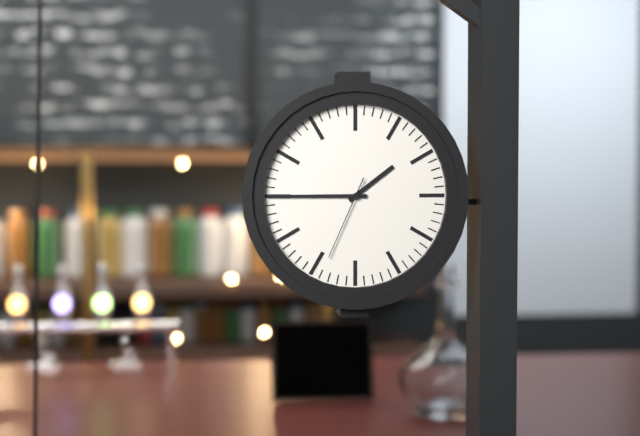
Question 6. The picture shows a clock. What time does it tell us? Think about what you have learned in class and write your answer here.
1:45:34
